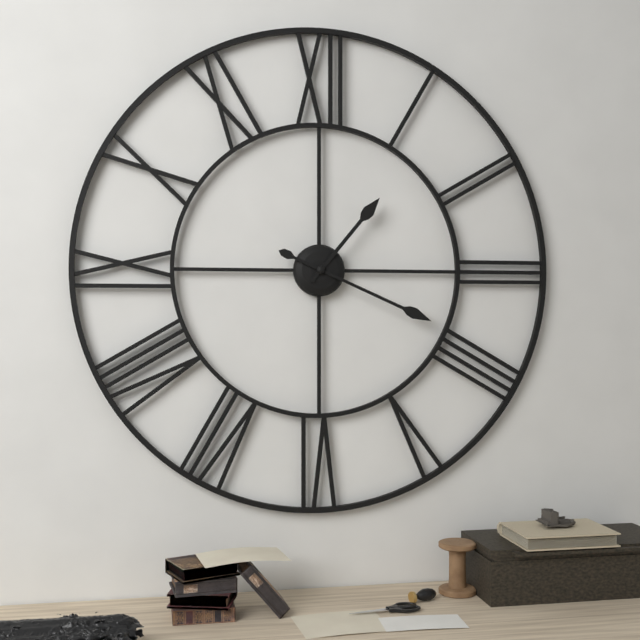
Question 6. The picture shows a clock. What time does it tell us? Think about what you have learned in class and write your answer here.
1:19
